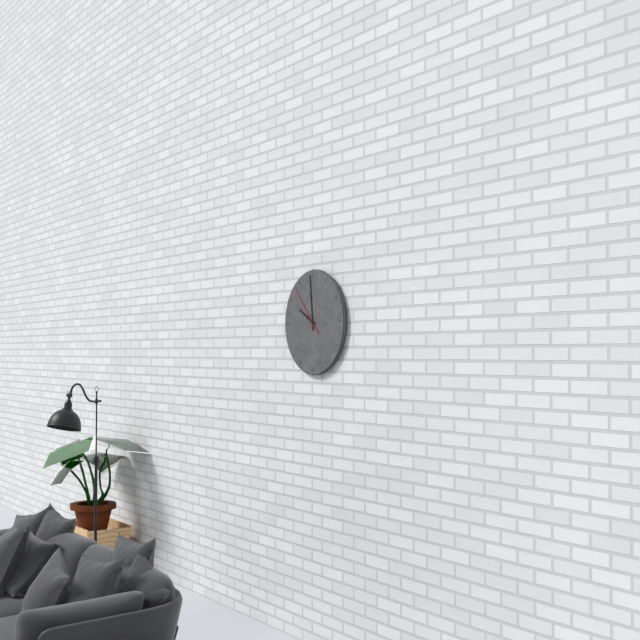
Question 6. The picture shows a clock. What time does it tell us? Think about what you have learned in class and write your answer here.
9:59
